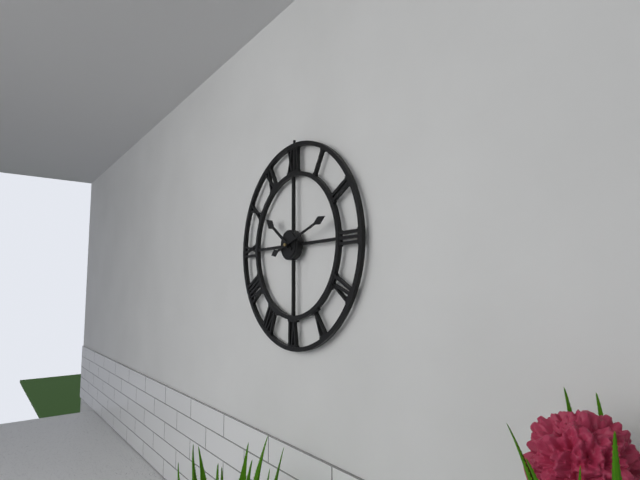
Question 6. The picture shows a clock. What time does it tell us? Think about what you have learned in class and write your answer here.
10:12
